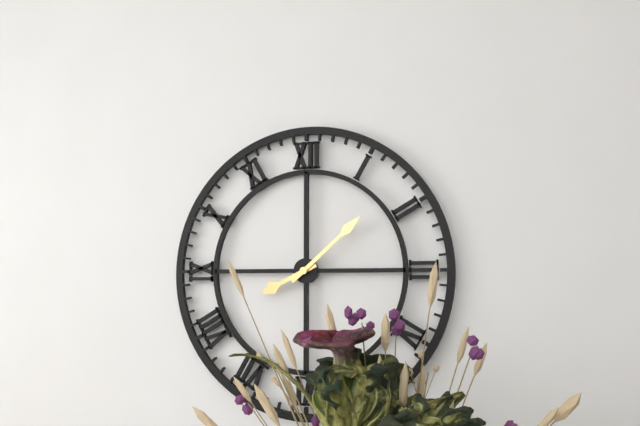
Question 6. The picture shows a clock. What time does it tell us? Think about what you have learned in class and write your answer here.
8:08
